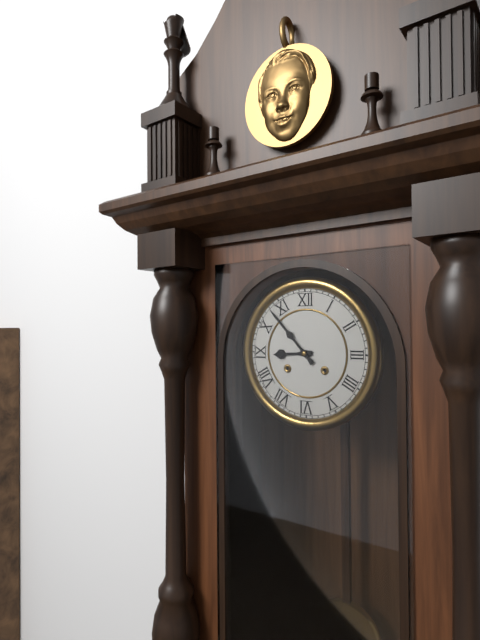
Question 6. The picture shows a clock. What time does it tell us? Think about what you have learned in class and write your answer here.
8:53
